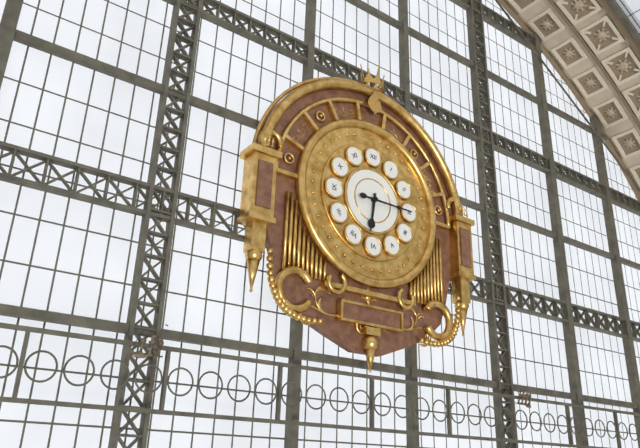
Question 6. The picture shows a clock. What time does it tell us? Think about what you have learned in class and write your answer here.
6:15
